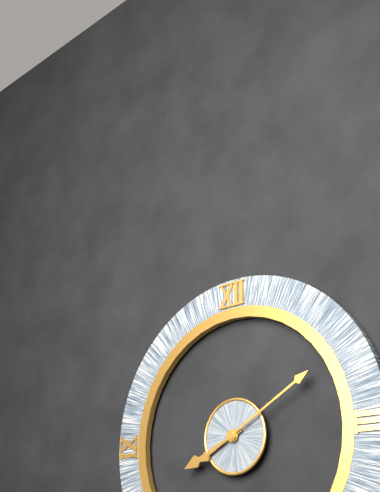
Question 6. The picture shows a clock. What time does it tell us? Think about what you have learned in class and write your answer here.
8:10
